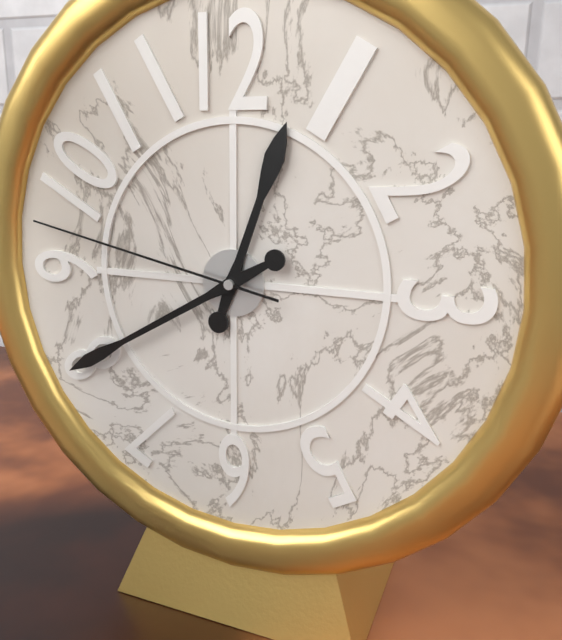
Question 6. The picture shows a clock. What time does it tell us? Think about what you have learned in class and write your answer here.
12:40:47
